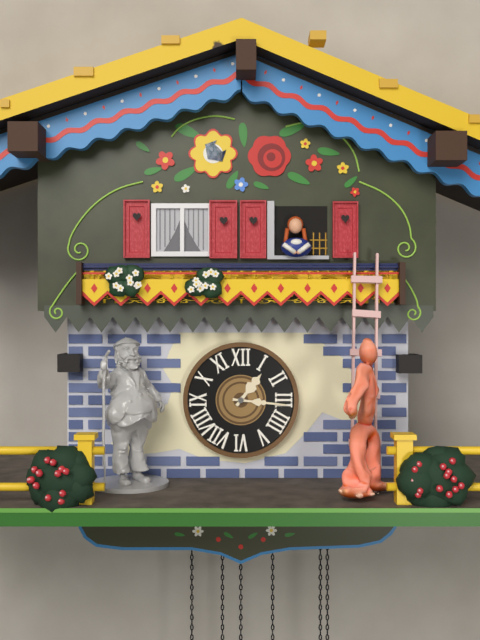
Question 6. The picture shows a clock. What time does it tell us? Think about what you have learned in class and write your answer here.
1:16
